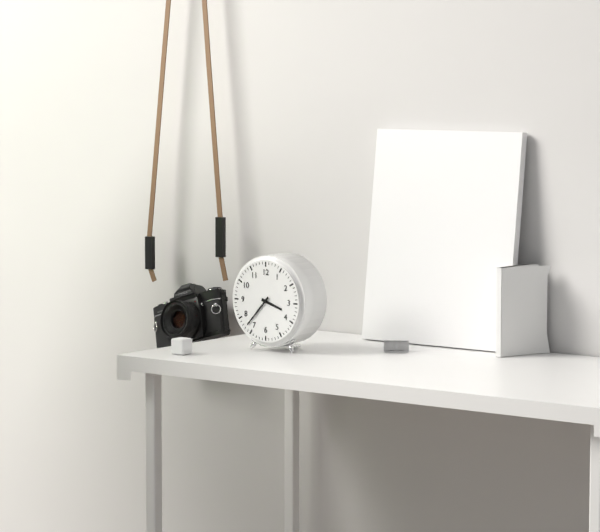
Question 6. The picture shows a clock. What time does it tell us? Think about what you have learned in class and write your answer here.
3:37
